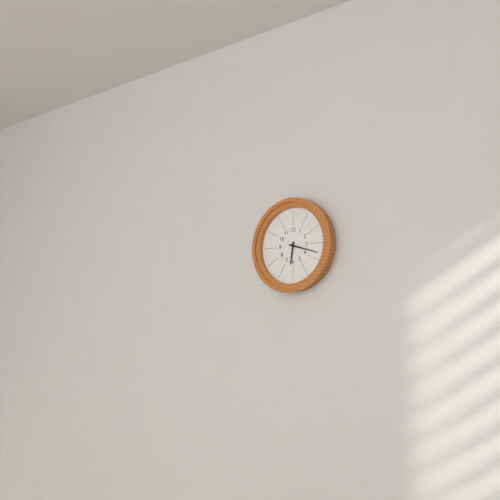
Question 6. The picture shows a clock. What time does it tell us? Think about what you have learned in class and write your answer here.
6:18
